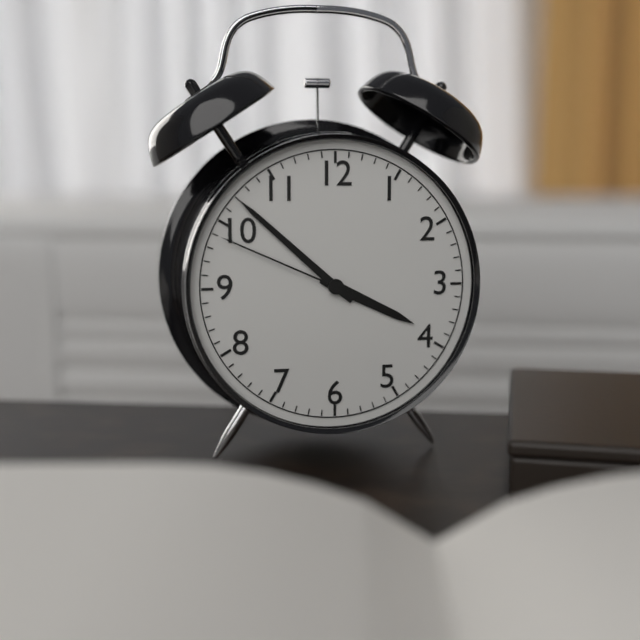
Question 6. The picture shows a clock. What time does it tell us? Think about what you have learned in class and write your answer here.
3:52:49
